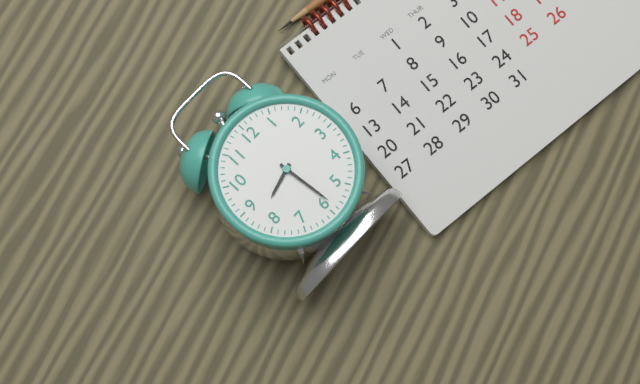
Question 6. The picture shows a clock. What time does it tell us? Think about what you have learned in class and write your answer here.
8:29
